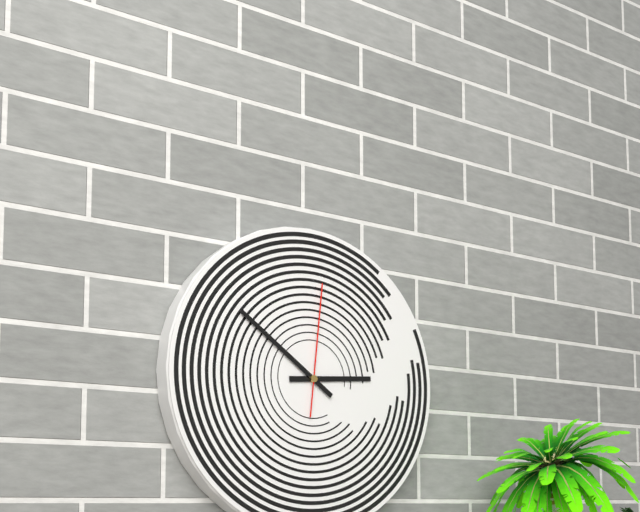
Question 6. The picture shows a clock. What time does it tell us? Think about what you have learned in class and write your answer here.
2:51:01
